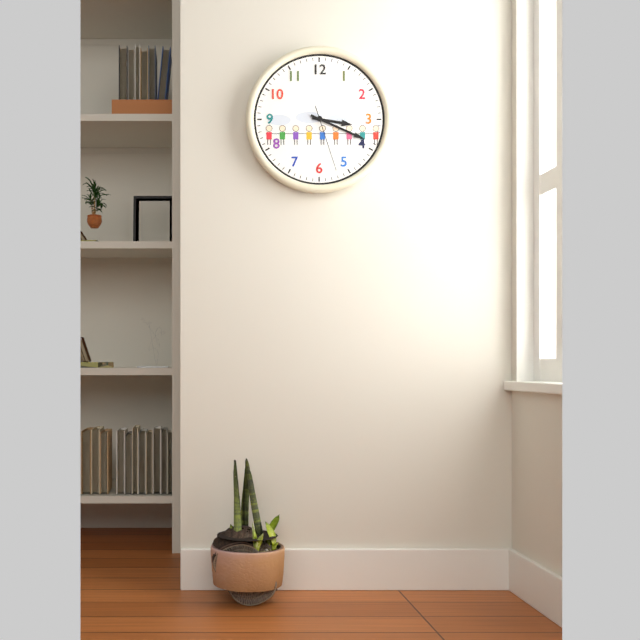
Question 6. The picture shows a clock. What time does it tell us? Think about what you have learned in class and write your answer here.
3:19:27
